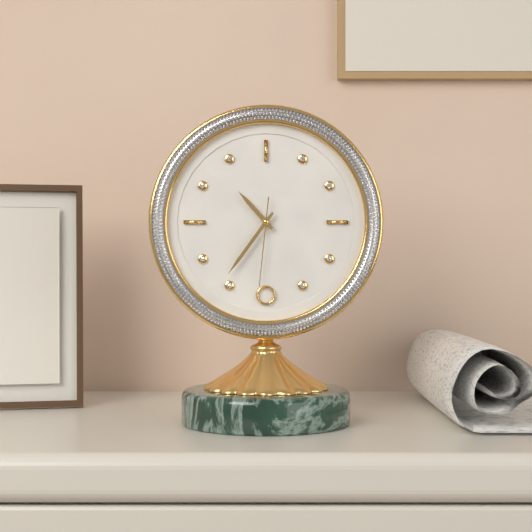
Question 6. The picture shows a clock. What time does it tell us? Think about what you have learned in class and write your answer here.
10:36:31
